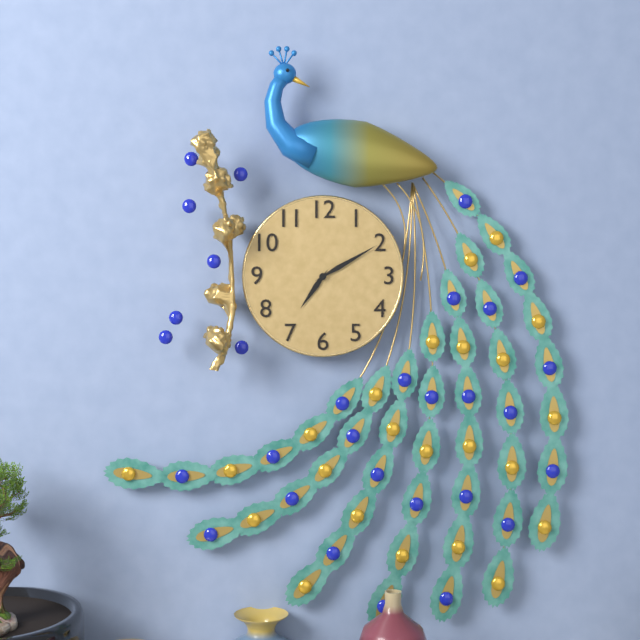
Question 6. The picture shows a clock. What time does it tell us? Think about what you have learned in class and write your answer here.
7:10
